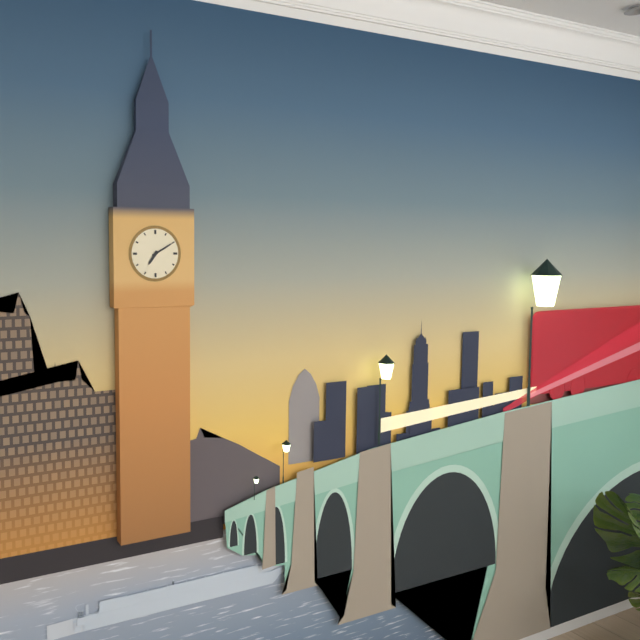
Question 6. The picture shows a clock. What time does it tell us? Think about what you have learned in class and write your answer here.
7:10
